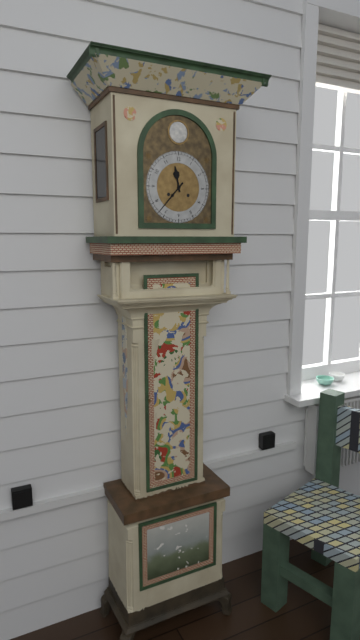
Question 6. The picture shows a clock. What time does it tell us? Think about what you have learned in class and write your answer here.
11:37
